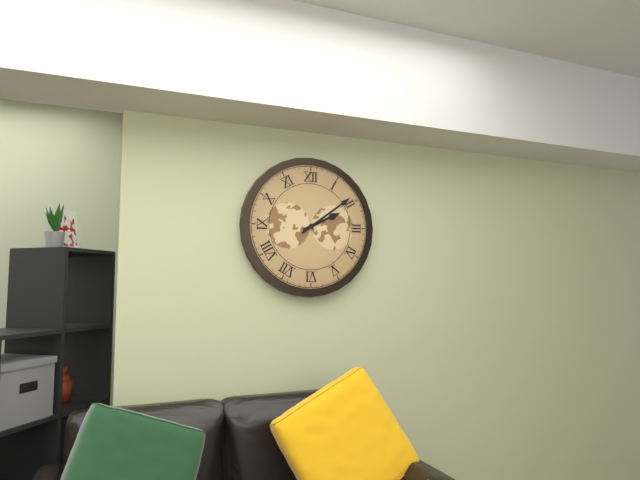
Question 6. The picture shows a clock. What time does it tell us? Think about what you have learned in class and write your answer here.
2:09
